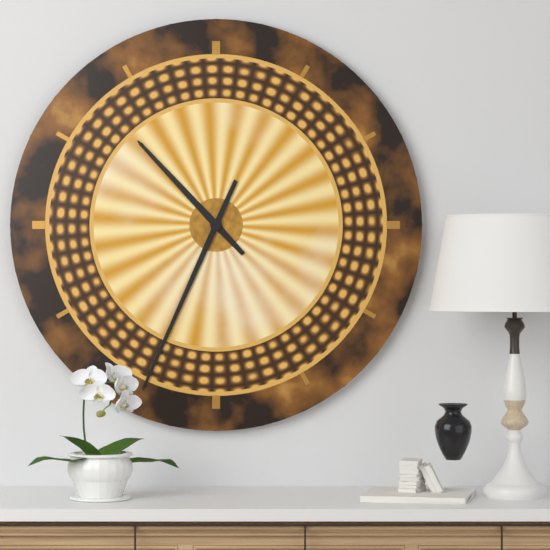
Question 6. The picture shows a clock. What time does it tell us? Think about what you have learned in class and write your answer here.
10:34
